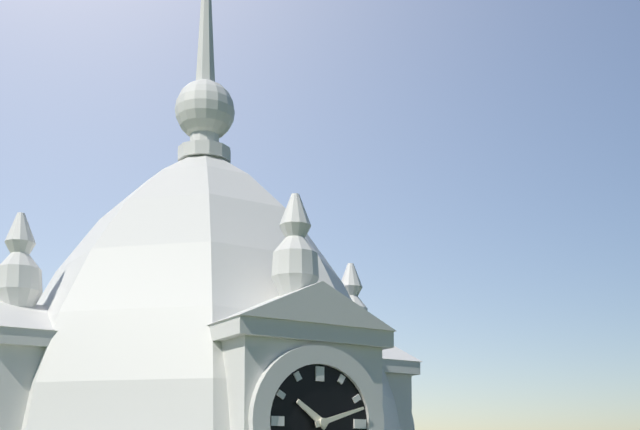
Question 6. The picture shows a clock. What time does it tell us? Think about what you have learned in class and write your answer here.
10:12
